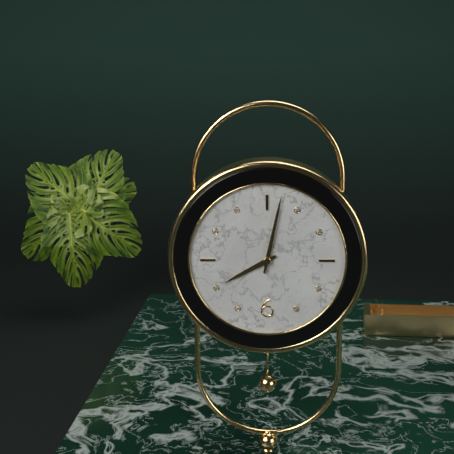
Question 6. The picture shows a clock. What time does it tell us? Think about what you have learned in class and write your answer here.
8:02
